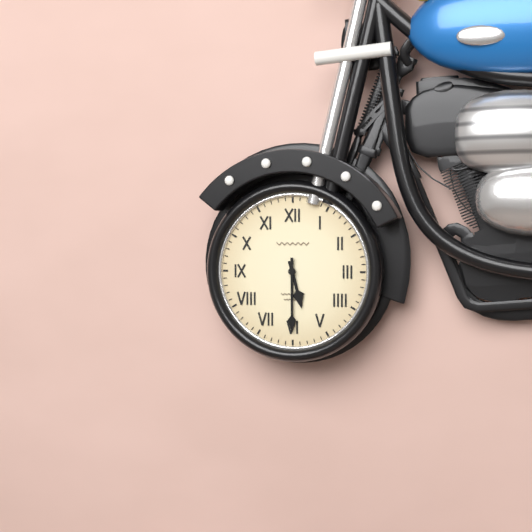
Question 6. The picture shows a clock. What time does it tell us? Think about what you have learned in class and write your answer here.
5:30
